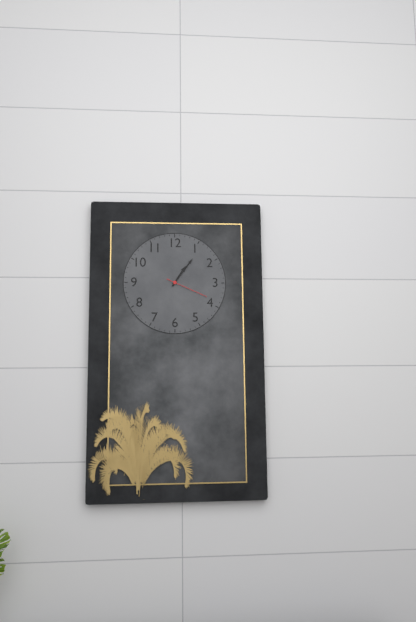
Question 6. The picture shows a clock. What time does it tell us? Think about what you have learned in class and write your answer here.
1:06
